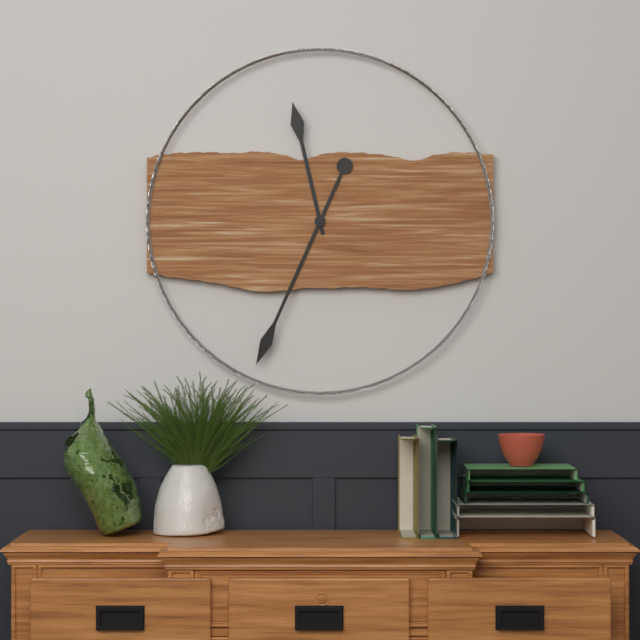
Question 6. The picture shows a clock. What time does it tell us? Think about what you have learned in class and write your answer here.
11:34
